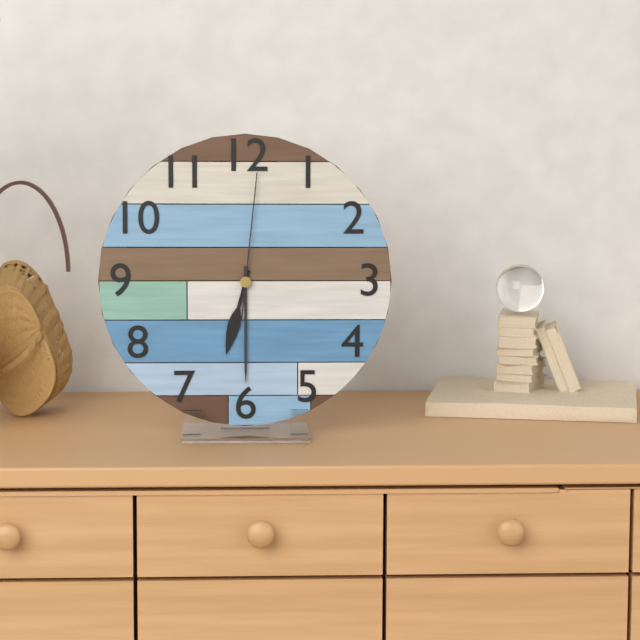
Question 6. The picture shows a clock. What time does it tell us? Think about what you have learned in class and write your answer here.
6:30:01
